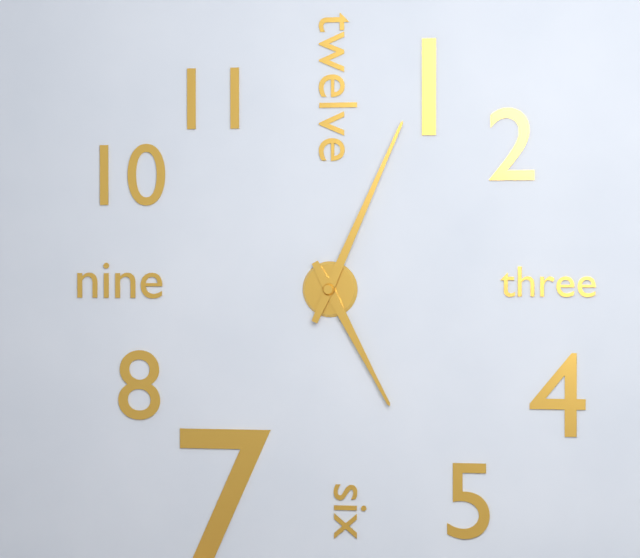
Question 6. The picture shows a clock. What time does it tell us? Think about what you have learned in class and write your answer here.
5:04
